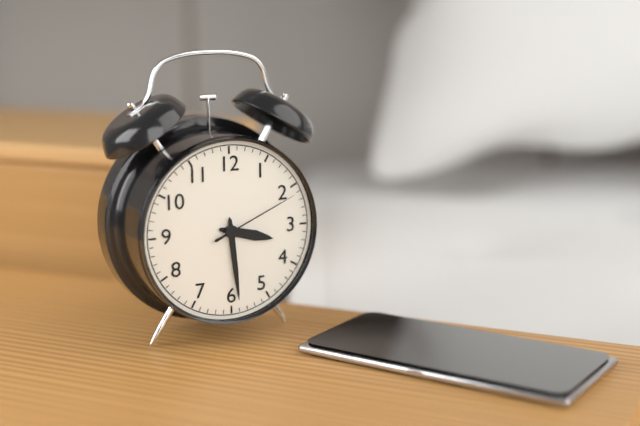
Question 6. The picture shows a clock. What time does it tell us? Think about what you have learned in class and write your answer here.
3:29:11
